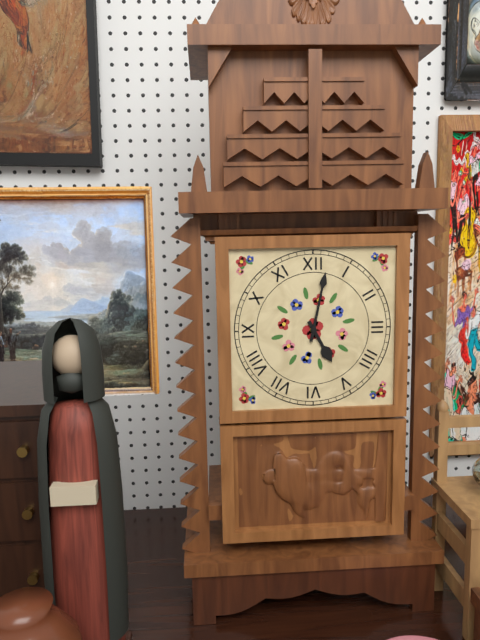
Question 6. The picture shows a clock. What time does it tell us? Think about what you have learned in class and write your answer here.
5:02
